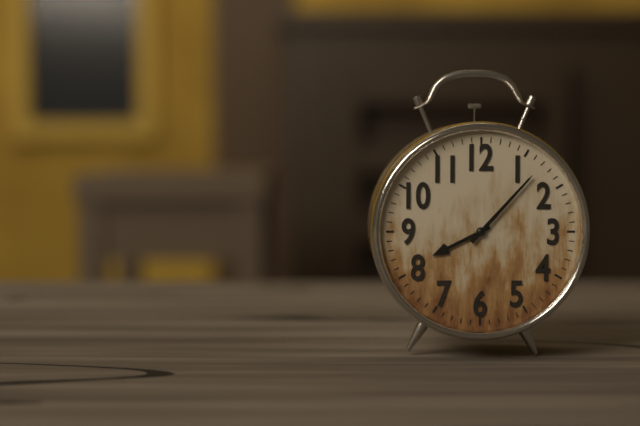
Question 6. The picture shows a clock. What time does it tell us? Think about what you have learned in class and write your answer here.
8:07
